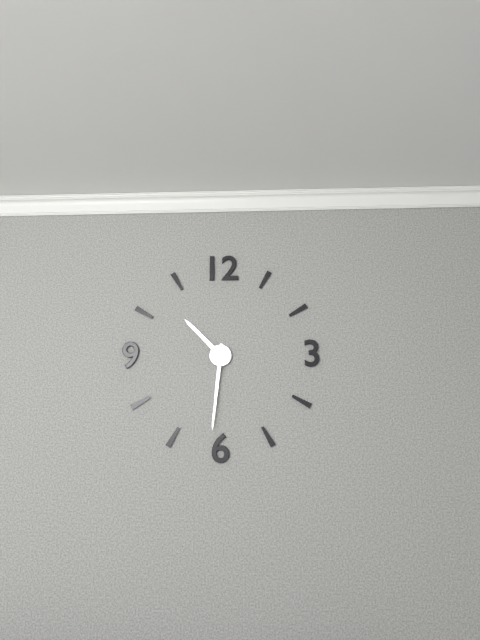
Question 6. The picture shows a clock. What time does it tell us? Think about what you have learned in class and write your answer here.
10:31
